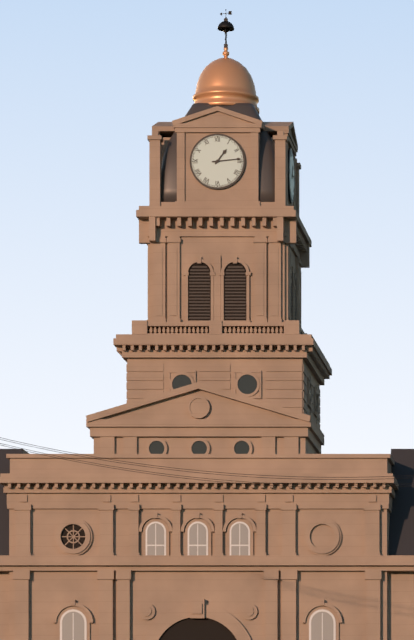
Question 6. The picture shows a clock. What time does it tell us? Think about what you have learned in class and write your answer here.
1:14
